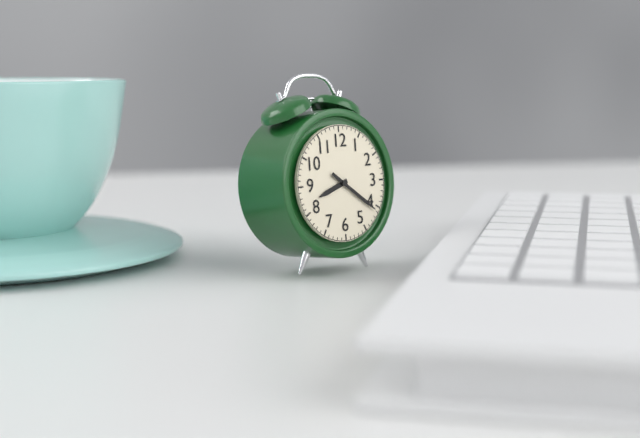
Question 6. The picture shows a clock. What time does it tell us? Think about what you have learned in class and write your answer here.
8:21
